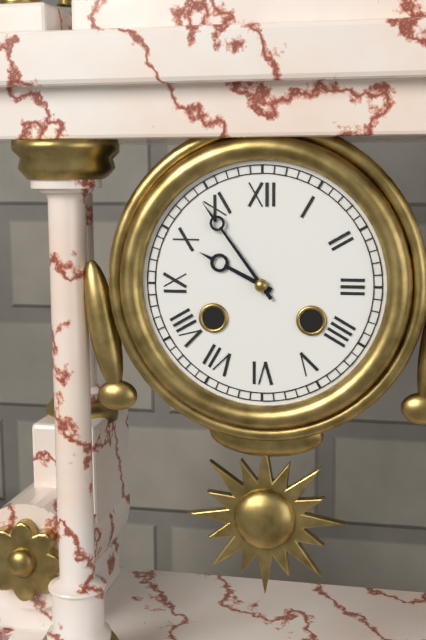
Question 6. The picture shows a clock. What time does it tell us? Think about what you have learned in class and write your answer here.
9:54
